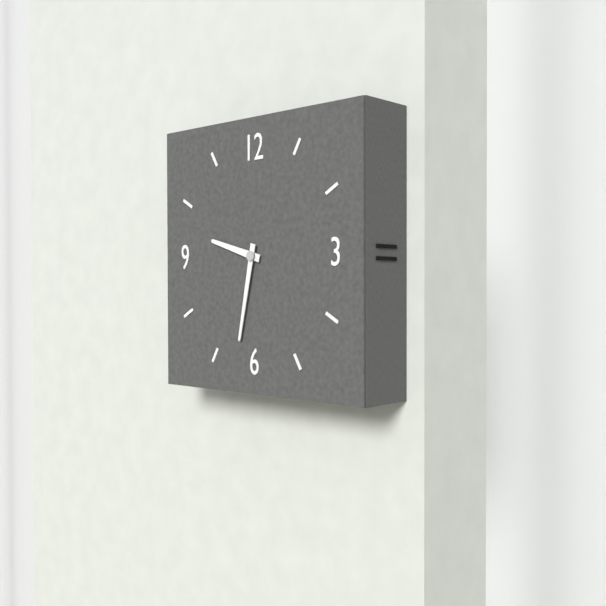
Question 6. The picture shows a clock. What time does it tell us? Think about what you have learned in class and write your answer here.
9:32
